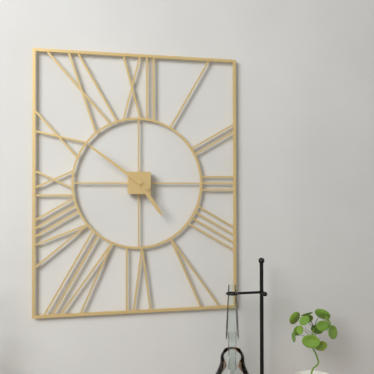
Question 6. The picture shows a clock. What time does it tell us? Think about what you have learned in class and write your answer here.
4:51
